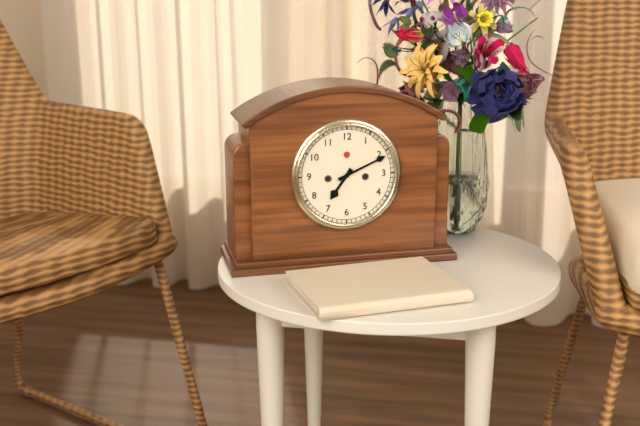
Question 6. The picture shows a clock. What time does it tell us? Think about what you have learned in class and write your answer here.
7:11
